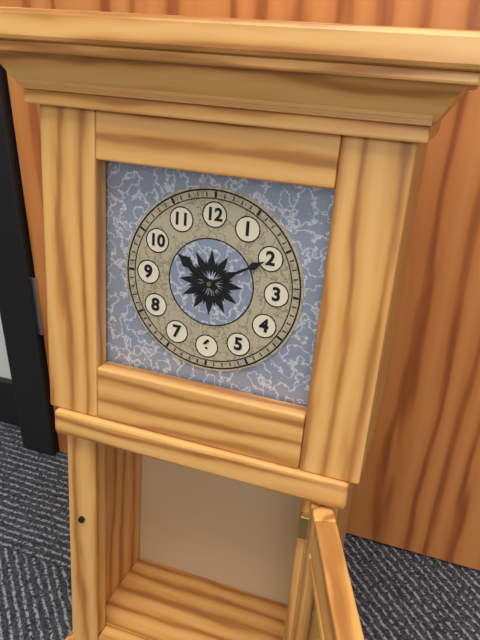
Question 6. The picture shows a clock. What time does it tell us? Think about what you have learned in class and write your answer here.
10:10
